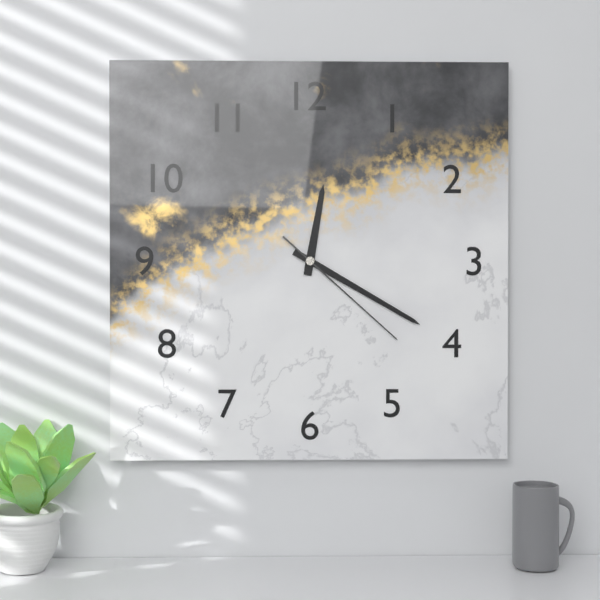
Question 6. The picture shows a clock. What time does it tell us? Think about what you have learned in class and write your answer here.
12:20:22
